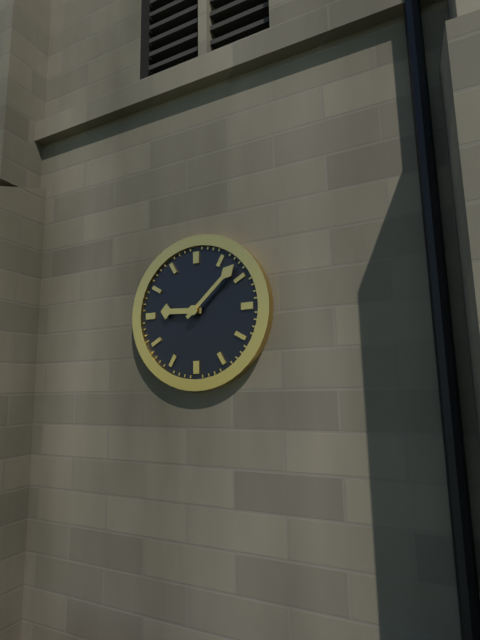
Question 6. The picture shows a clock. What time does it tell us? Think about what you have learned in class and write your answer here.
9:08
